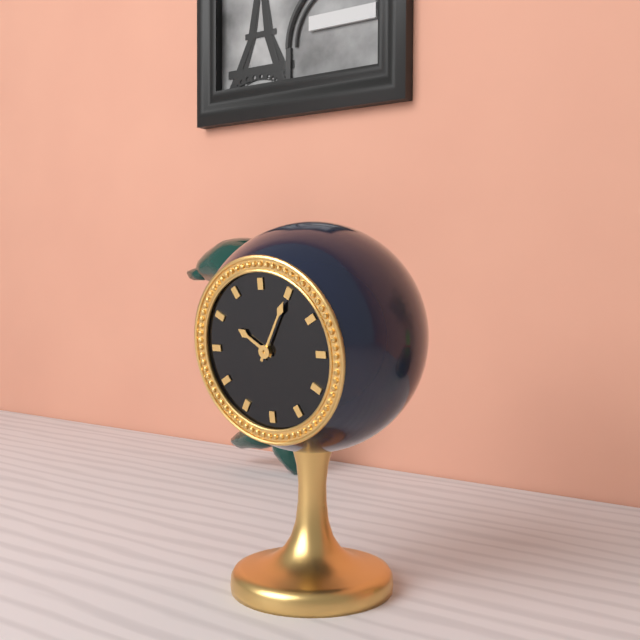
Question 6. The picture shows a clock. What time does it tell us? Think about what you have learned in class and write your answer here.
10:05
